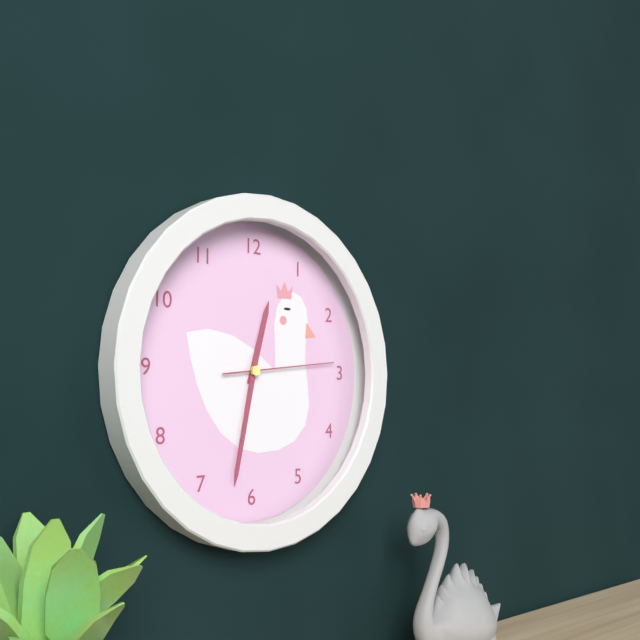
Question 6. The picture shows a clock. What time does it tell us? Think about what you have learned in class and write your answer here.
12:32:14
